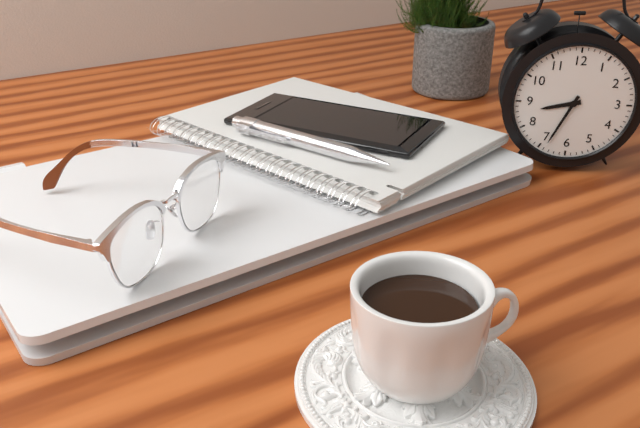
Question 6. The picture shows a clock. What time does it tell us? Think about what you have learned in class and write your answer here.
8:34
